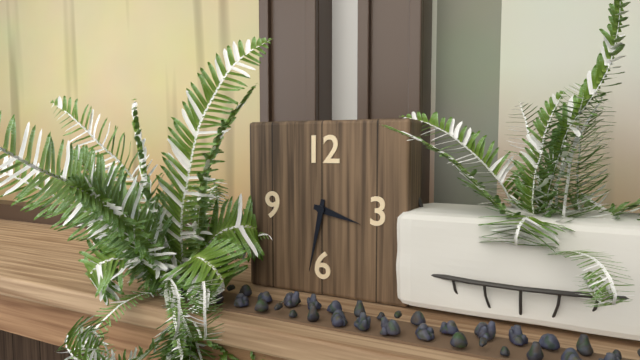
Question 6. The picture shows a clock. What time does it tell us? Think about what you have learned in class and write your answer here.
3:32
